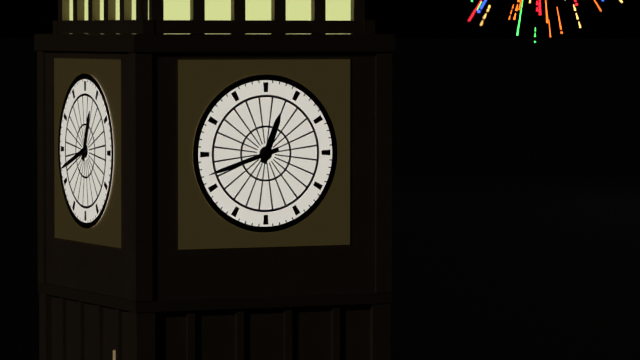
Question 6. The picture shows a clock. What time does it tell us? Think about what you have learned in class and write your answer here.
12:42
